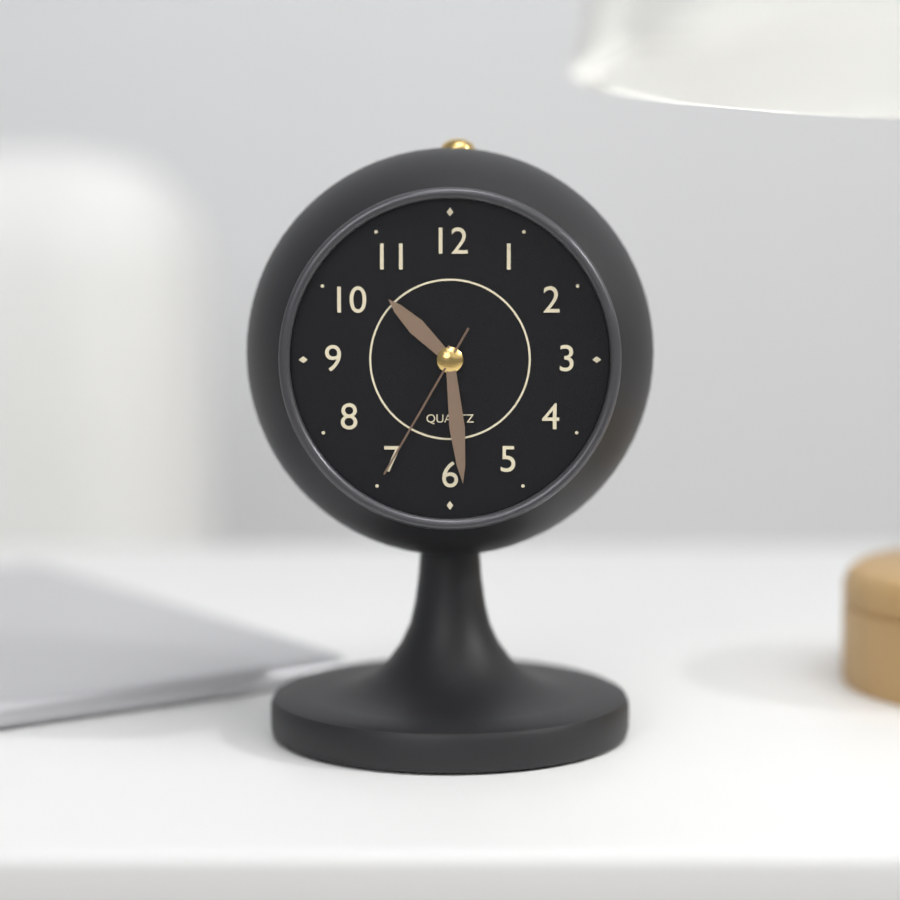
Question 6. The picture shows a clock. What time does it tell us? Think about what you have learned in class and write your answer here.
10:29:35
